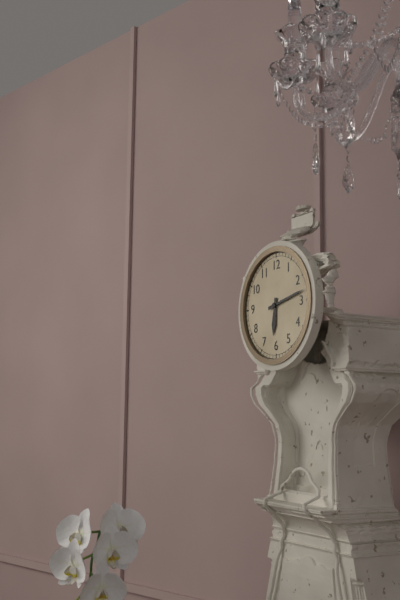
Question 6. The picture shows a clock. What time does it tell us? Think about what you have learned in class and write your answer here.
6:13
